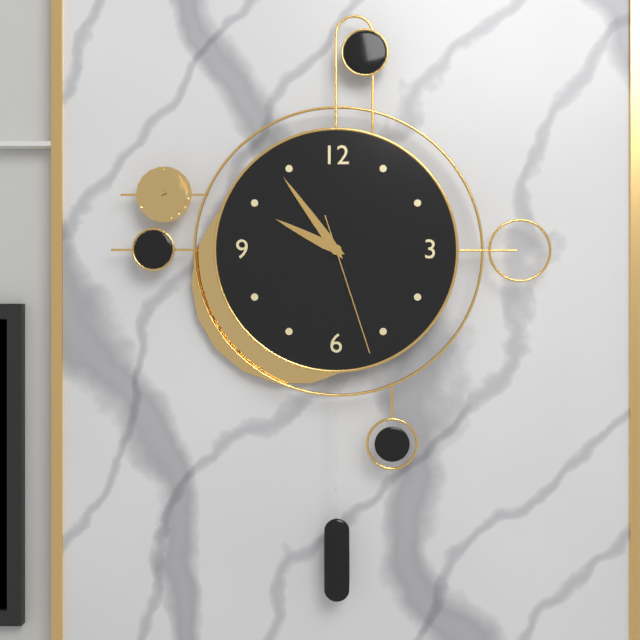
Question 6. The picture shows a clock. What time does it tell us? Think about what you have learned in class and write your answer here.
9:54:27
